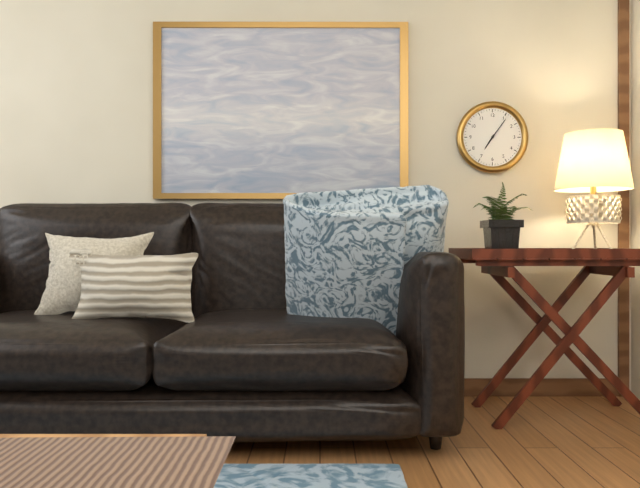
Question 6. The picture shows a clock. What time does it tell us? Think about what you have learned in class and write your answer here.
7:06
